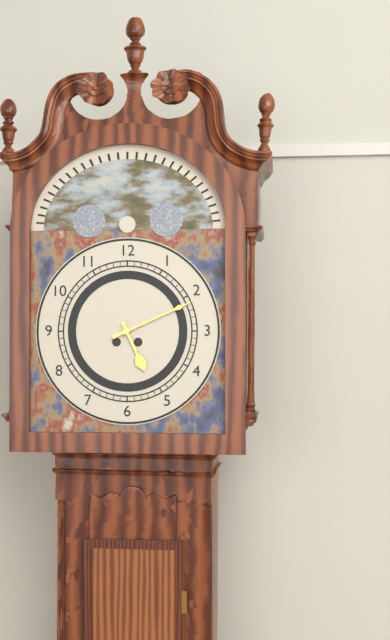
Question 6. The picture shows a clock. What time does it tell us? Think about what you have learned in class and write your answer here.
5:11
